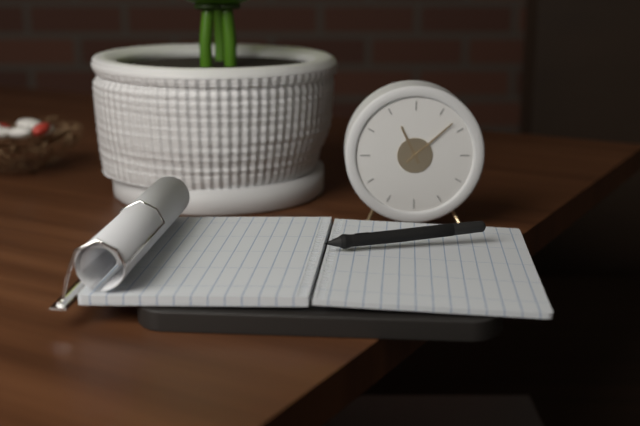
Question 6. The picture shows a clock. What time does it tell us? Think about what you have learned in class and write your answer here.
11:08
